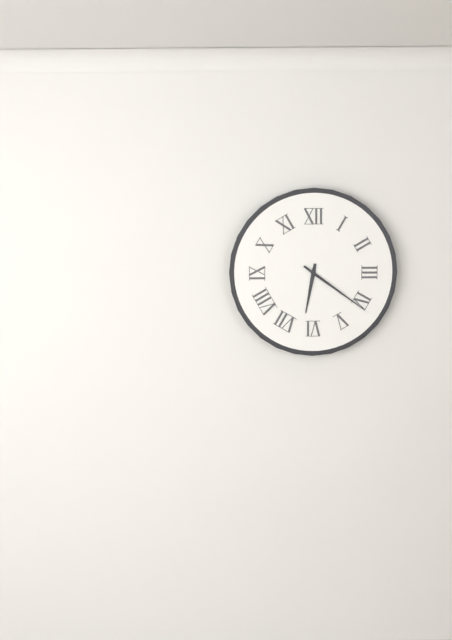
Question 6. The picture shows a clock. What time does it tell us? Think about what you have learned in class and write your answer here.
6:21
